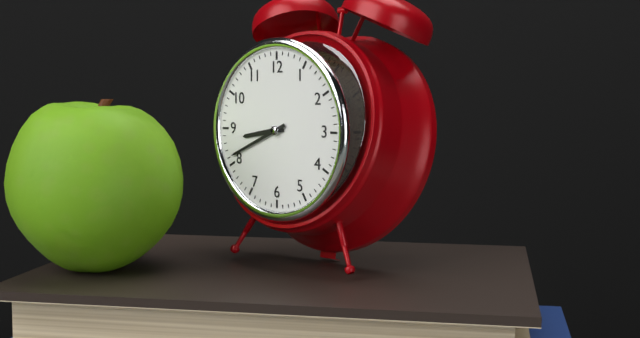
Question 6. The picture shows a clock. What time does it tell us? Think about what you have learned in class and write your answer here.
8:41
